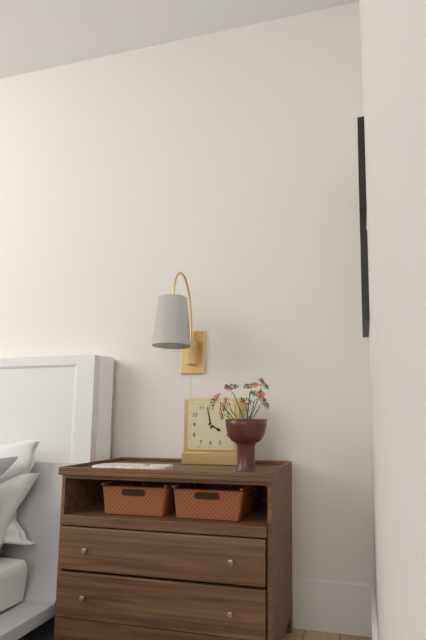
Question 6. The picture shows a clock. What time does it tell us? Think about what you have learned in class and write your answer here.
3:58
